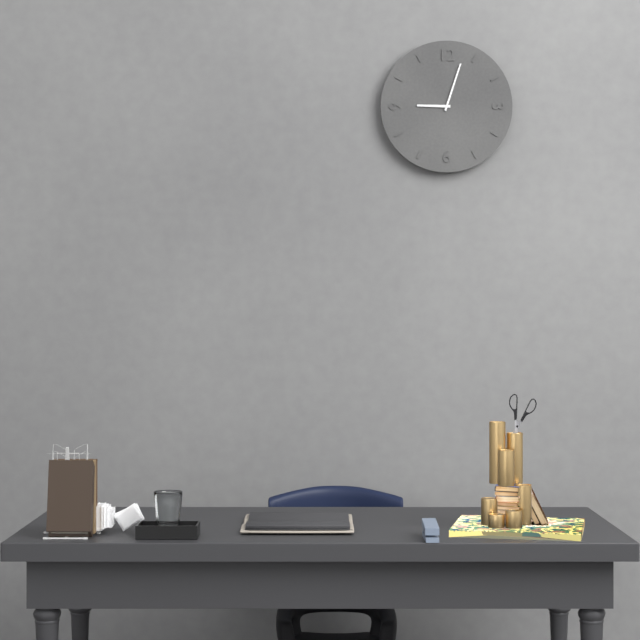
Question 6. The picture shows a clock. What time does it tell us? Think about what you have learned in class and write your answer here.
9:03
